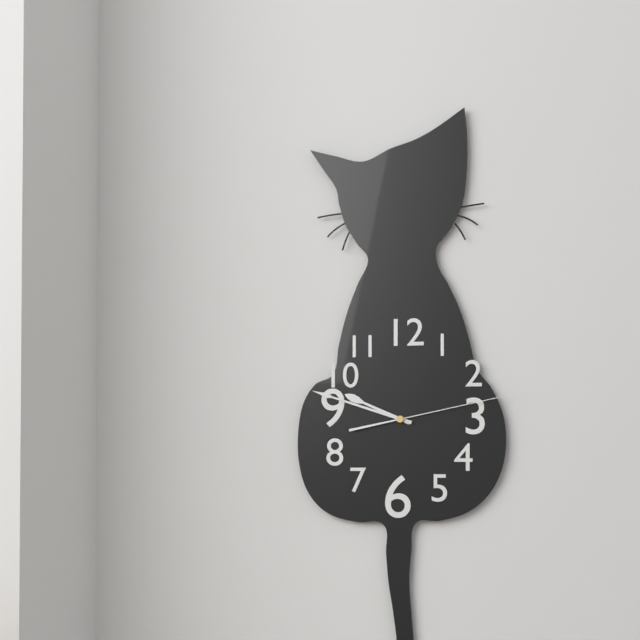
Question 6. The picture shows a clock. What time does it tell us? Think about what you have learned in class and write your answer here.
9:48:13
